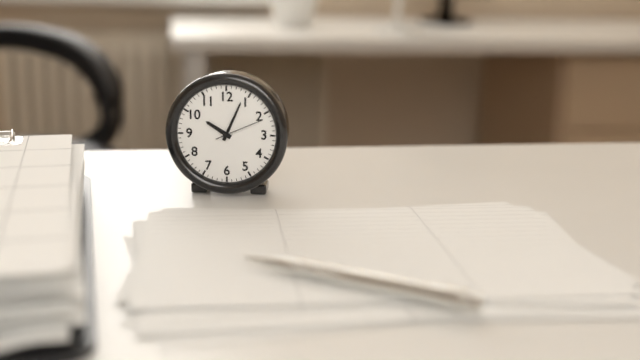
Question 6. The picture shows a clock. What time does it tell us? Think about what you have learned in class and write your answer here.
10:04
